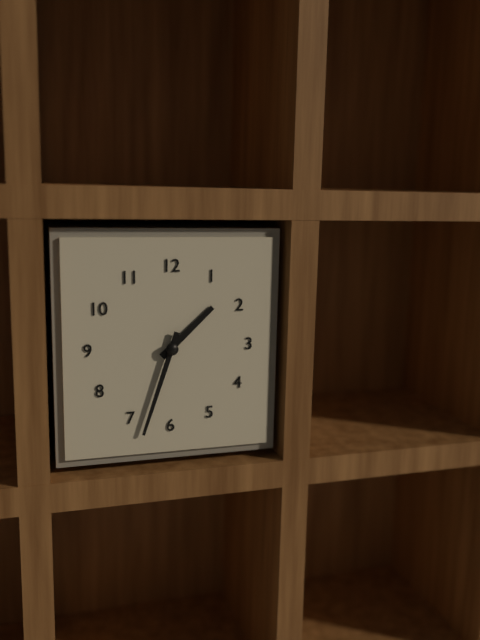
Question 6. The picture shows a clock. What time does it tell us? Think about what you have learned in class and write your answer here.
1:33
